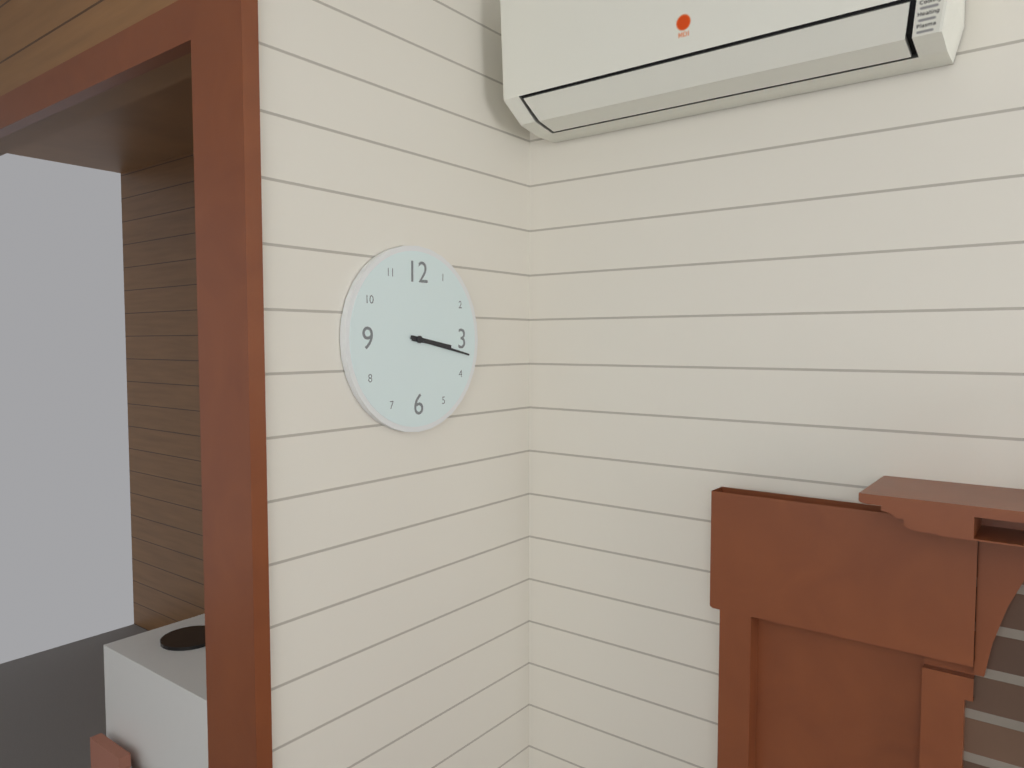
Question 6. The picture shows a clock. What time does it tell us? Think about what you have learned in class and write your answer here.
3:17
